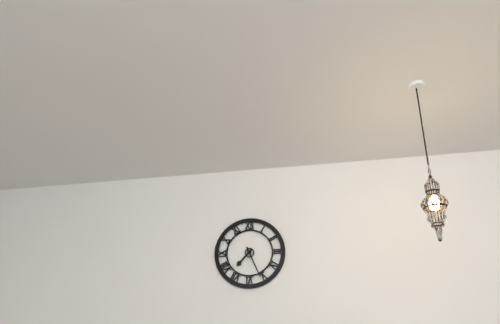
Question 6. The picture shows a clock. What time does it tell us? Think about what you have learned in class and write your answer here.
7:26
